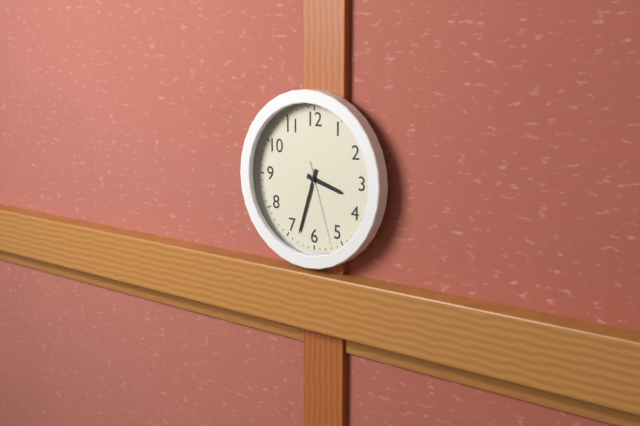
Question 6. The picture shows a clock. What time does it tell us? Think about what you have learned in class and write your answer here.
3:33:27
